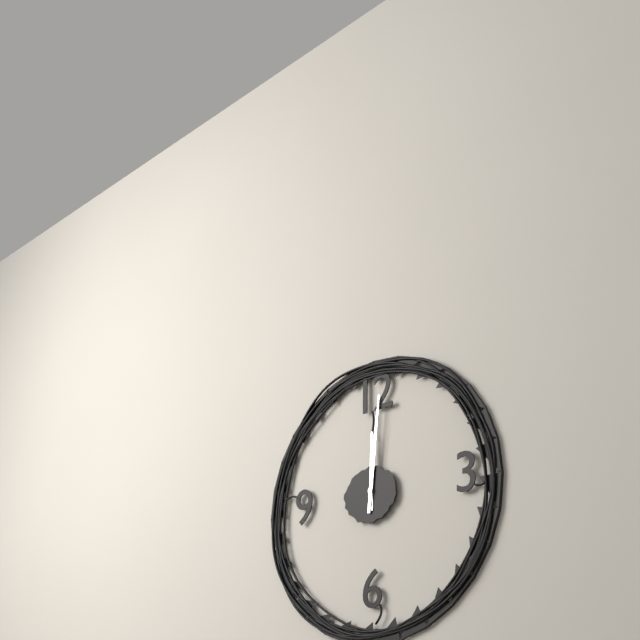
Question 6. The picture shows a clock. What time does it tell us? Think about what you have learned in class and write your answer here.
12:01
